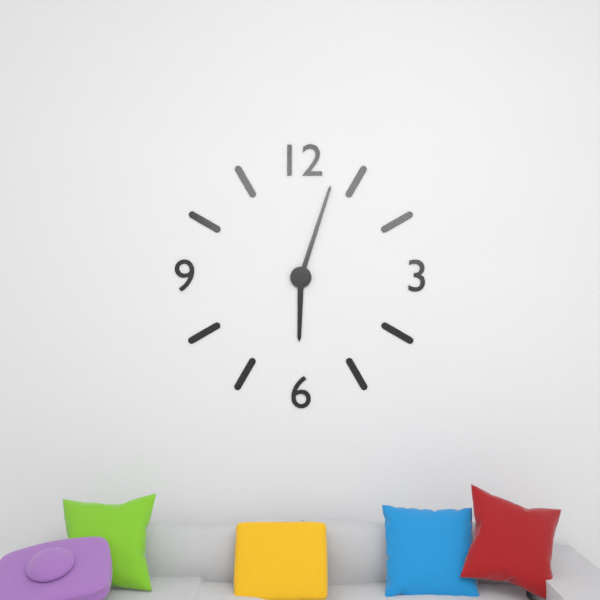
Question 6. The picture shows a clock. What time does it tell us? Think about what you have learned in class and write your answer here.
6:03
